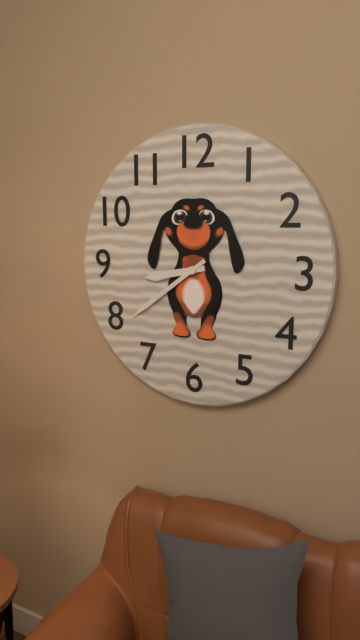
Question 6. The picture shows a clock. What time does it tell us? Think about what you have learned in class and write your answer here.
8:39
